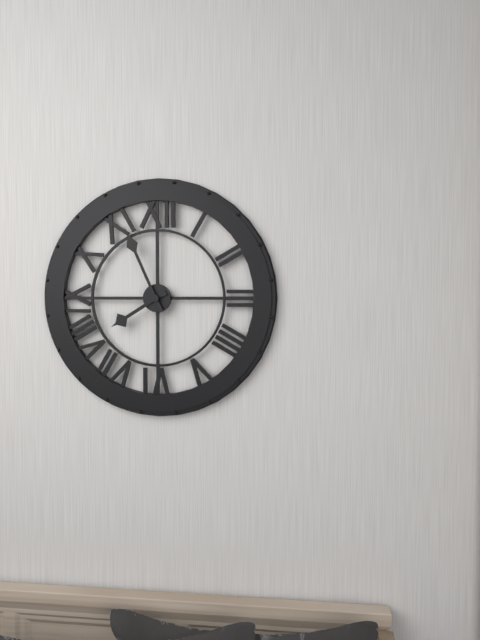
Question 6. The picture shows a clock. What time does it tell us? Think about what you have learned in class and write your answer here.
7:56
